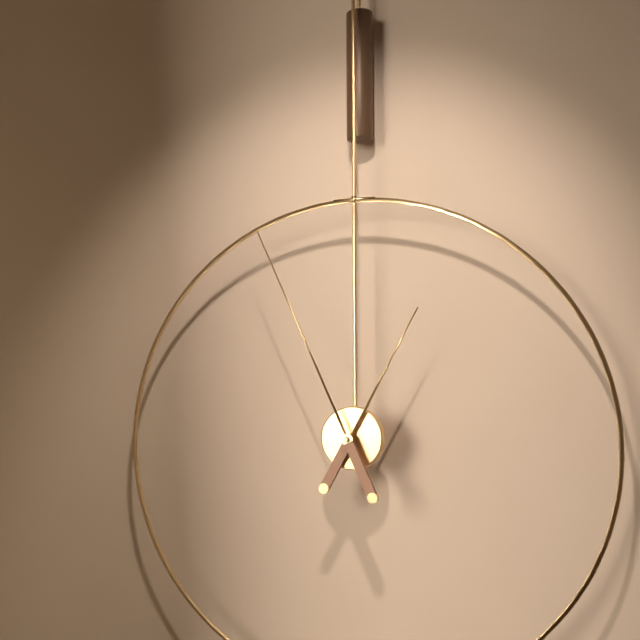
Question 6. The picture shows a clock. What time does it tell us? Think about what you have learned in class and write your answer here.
12:56
